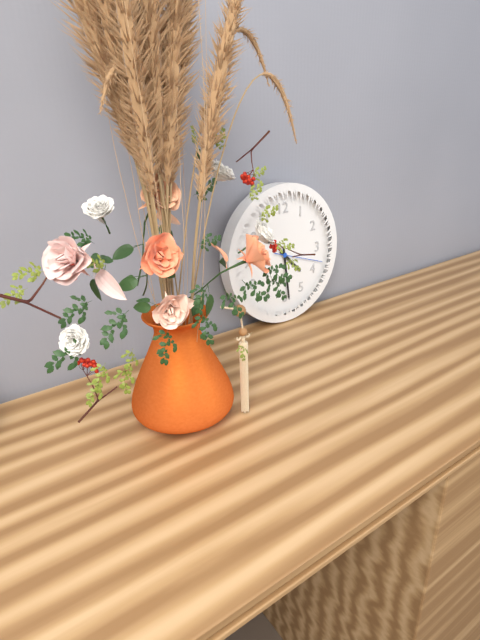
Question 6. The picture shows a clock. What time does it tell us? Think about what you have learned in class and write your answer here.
4:29
